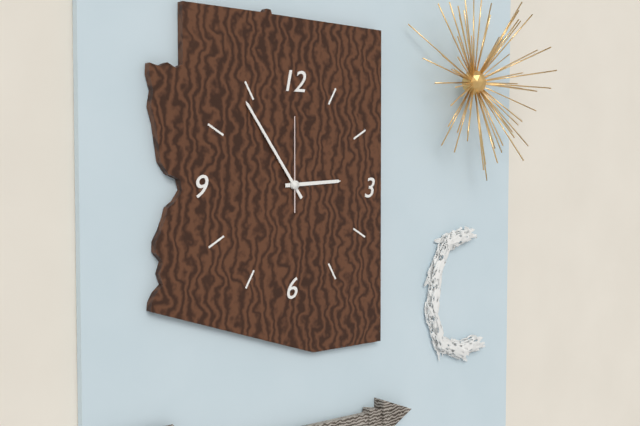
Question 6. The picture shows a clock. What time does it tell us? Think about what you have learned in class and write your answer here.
2:54:00
